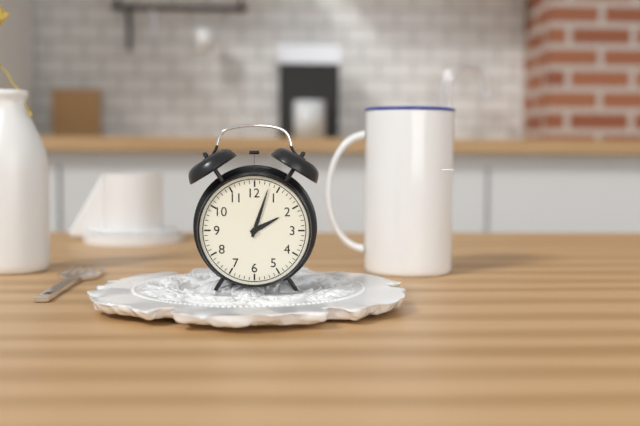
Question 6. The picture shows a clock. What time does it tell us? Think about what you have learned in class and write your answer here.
2:03
